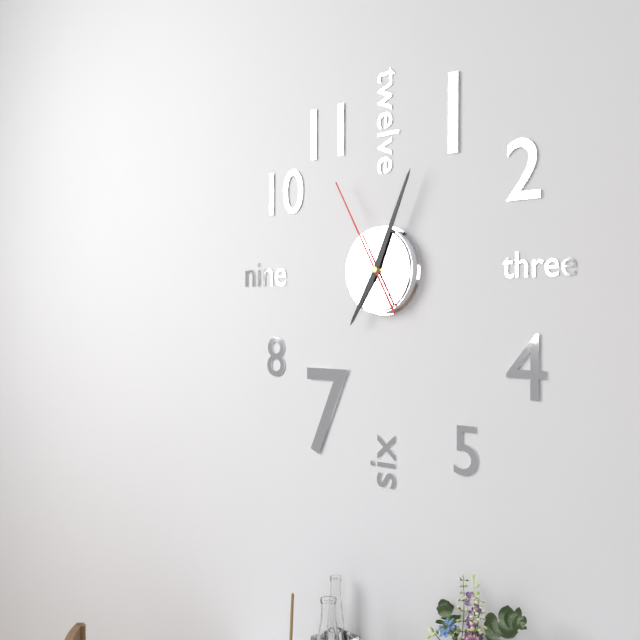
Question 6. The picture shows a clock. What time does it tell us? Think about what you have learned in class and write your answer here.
7:04:55
